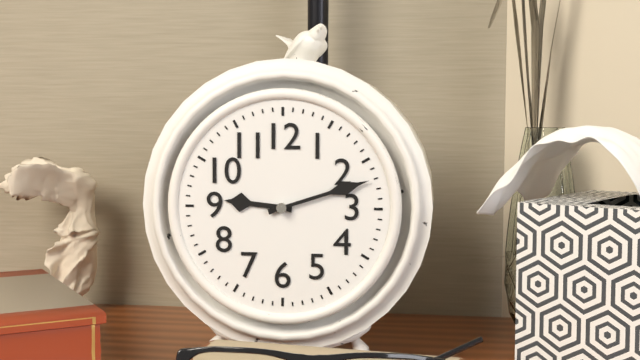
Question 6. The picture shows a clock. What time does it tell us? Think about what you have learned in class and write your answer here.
9:12
